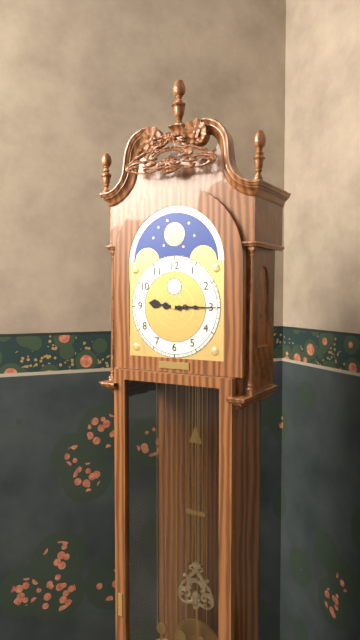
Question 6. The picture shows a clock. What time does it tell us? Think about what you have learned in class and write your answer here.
9:15
